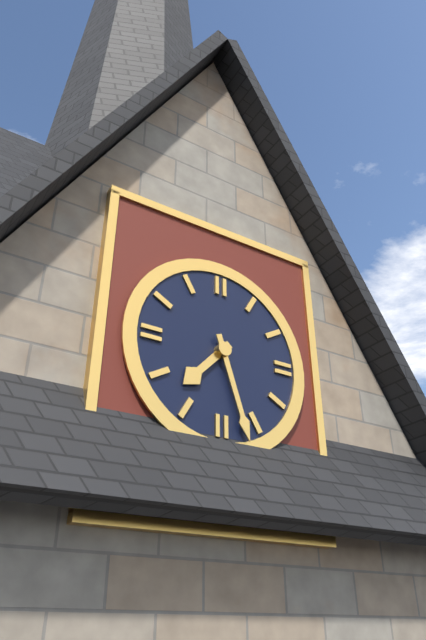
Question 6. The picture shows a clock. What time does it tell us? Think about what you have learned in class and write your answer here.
7:27
